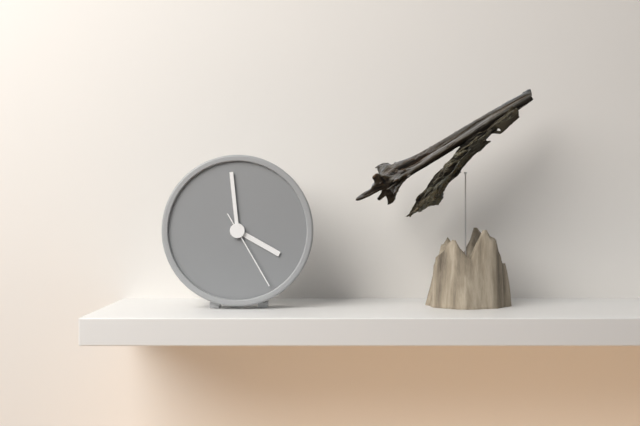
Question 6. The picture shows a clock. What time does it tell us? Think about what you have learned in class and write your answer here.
3:59:25
